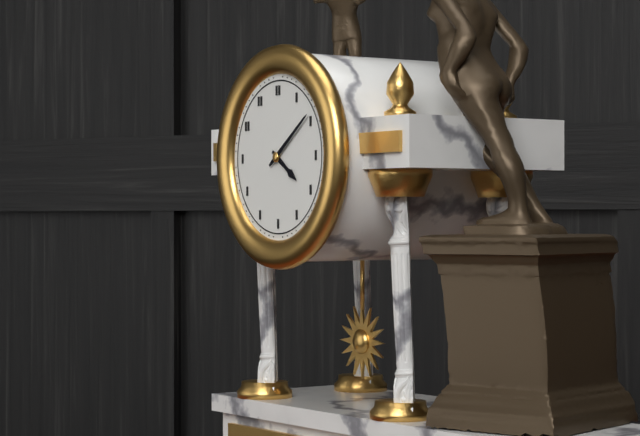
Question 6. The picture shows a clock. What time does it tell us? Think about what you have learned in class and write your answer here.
4:09
